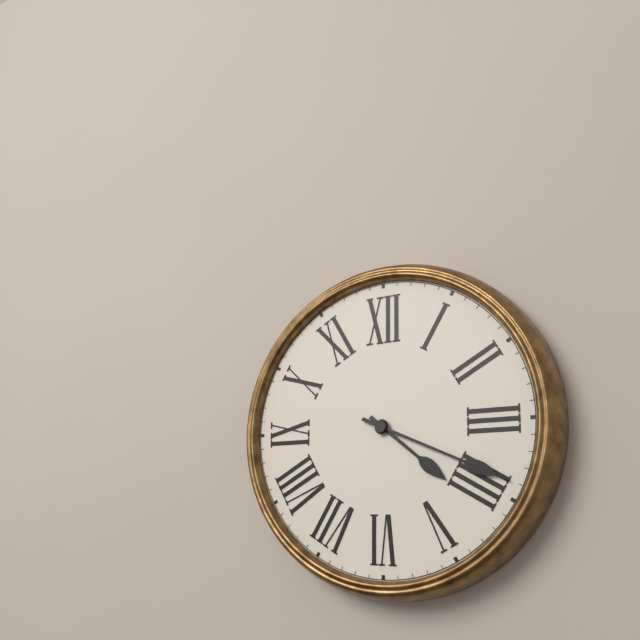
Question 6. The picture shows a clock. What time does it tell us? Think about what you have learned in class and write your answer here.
4:19
